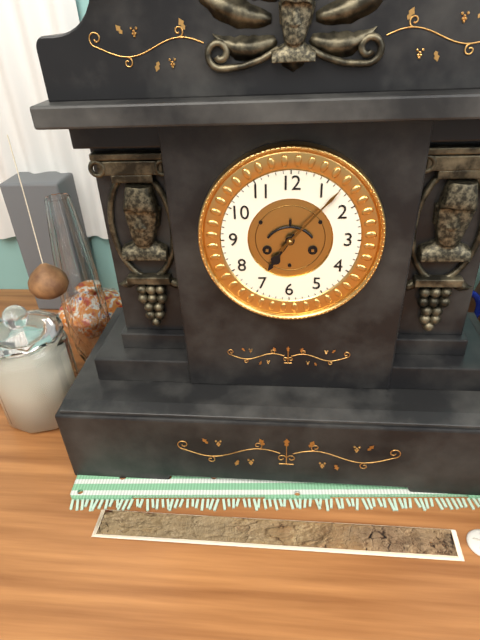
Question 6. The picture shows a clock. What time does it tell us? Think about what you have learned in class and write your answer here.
7:07
